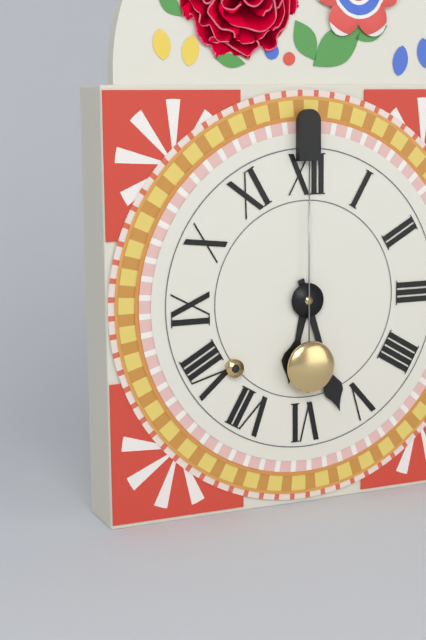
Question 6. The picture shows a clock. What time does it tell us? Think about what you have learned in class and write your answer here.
6:27
